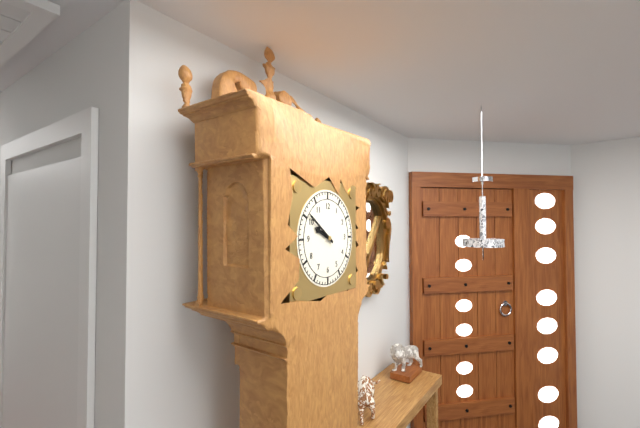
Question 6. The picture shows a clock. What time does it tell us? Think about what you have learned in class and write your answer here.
9:51
